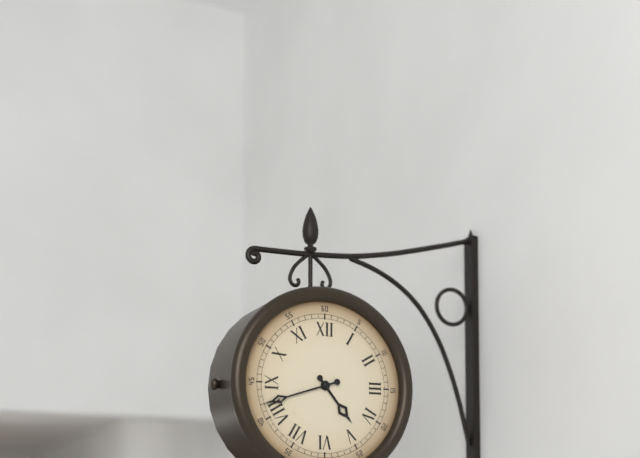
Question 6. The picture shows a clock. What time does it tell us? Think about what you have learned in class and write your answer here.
4:42
